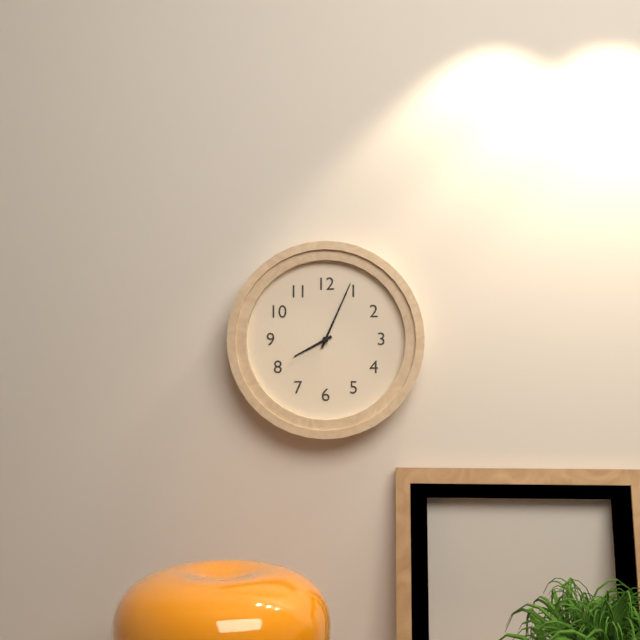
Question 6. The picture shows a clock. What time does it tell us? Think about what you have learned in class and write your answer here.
8:04
